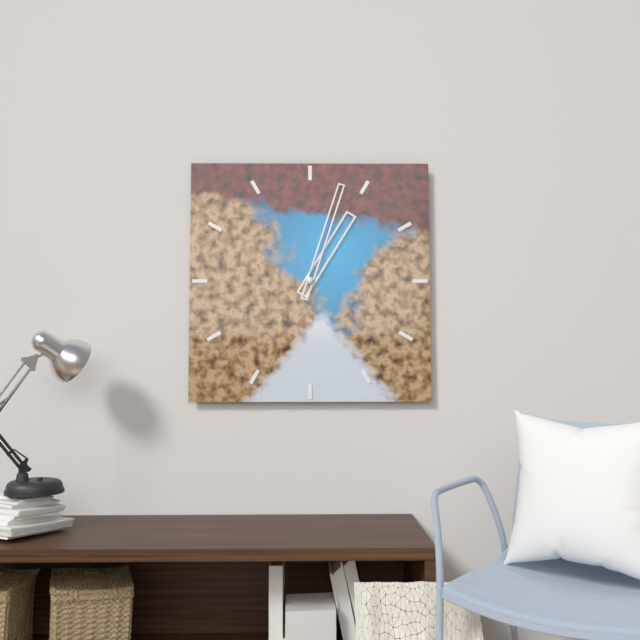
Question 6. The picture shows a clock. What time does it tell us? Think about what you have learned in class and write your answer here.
1:03
